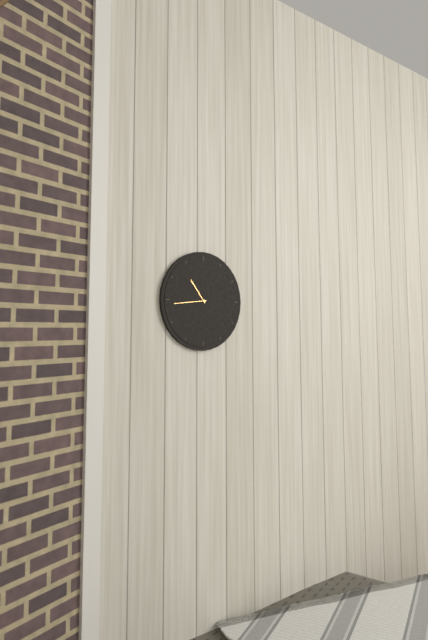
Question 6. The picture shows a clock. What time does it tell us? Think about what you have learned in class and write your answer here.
10:44
